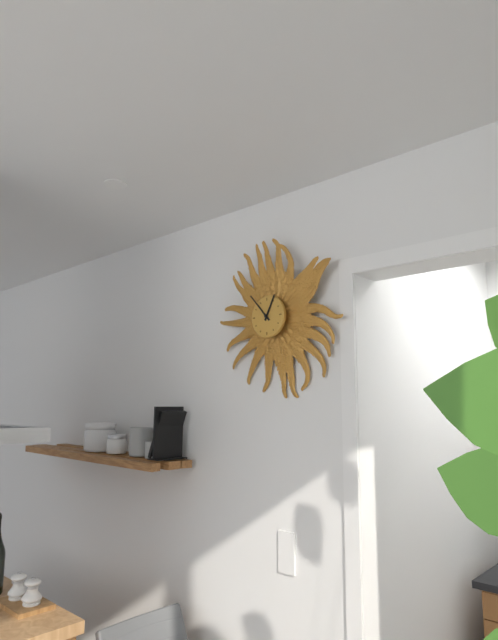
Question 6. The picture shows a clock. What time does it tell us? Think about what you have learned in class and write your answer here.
12:53
